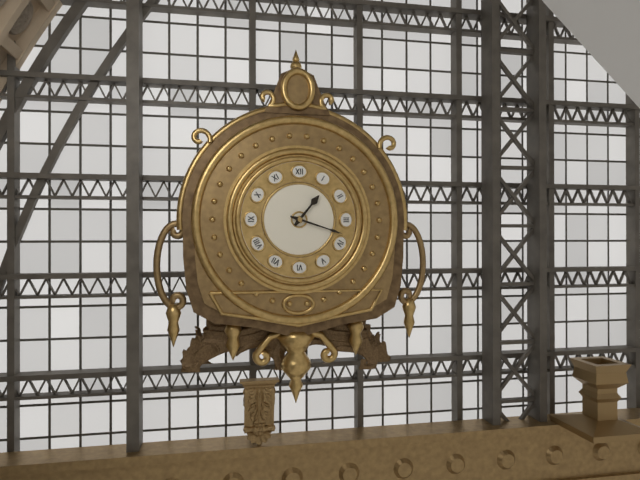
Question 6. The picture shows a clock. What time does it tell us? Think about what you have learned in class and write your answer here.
1:18
